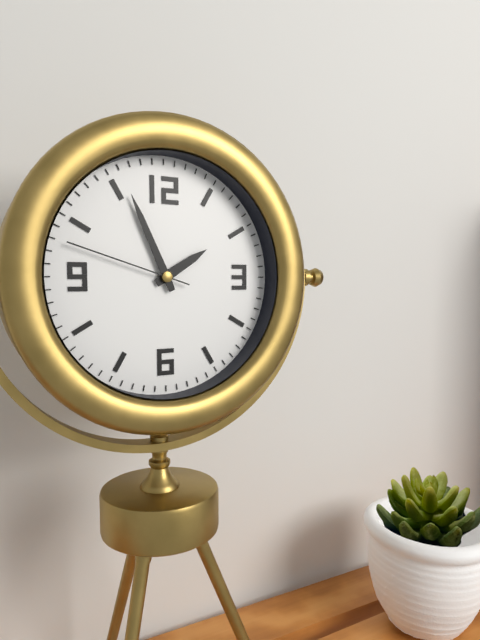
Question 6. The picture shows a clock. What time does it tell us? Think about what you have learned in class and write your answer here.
1:56:48
